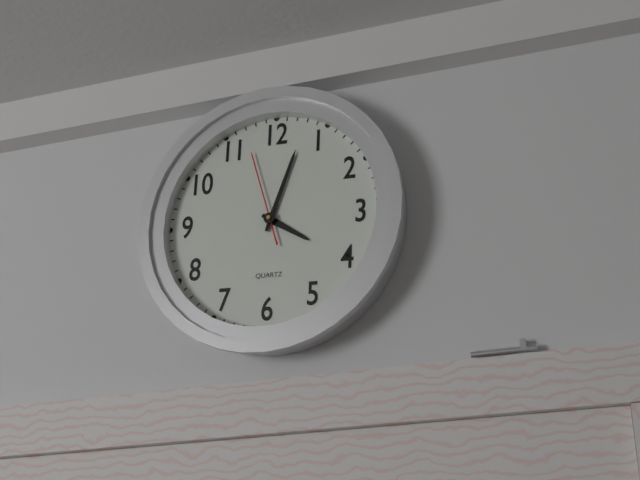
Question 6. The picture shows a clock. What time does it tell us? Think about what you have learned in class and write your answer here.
4:03:57
